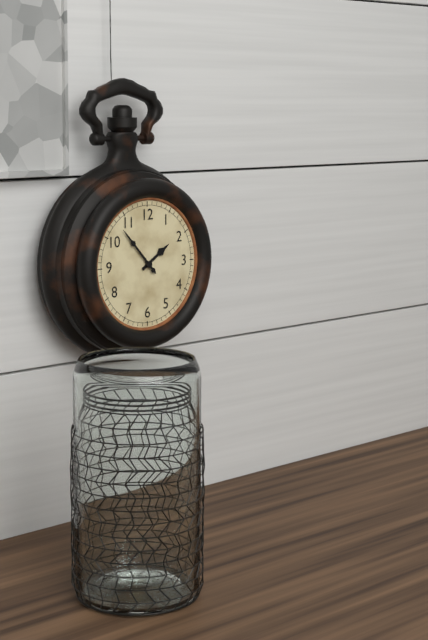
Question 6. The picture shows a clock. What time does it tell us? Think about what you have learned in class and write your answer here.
1:53
